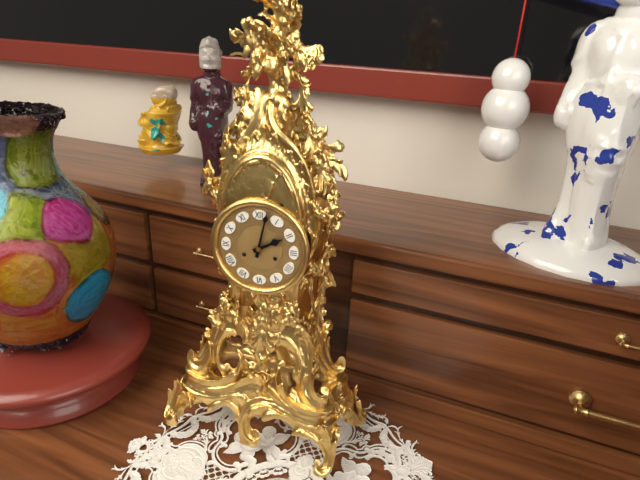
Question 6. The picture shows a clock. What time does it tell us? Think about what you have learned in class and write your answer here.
2:02
